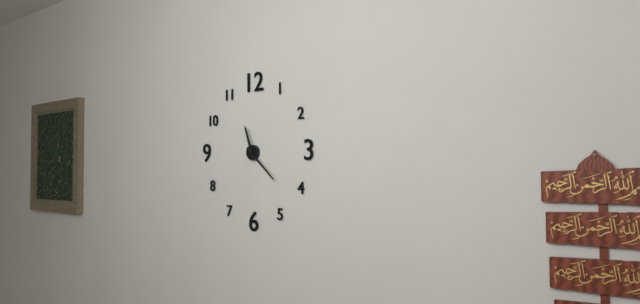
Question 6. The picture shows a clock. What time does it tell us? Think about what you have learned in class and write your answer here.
11:22
